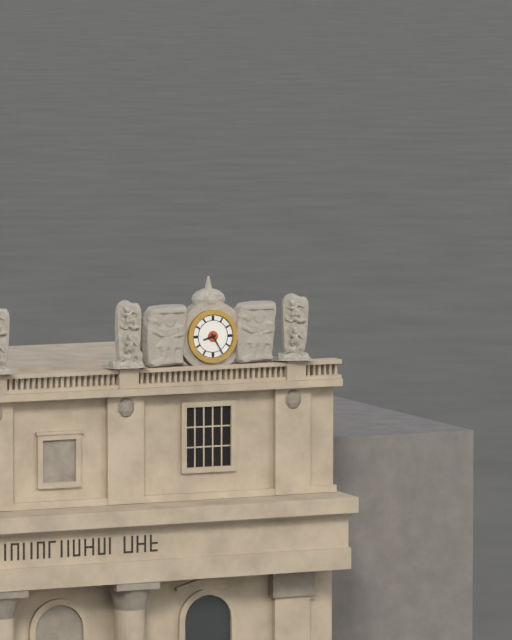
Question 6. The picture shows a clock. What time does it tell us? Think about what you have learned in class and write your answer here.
8:25
